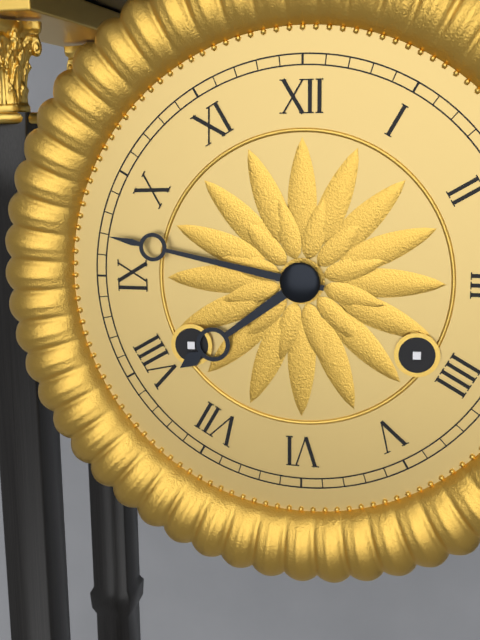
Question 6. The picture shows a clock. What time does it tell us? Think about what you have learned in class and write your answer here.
7:47
